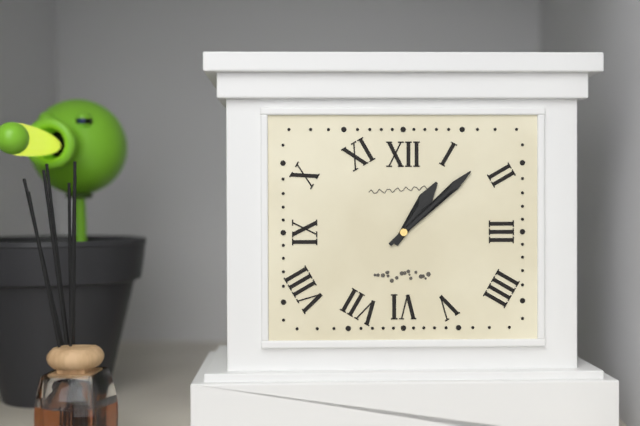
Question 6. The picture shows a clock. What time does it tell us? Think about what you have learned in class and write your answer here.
1:08
